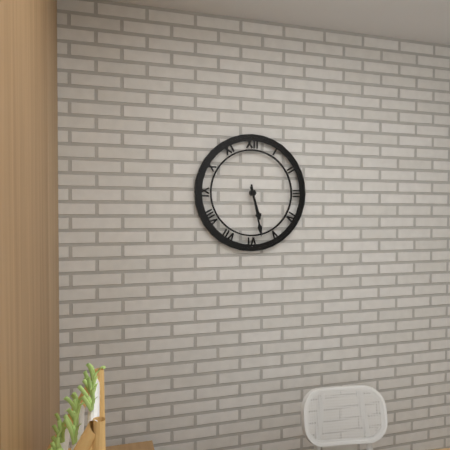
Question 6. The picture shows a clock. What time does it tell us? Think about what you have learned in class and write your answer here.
5:28
